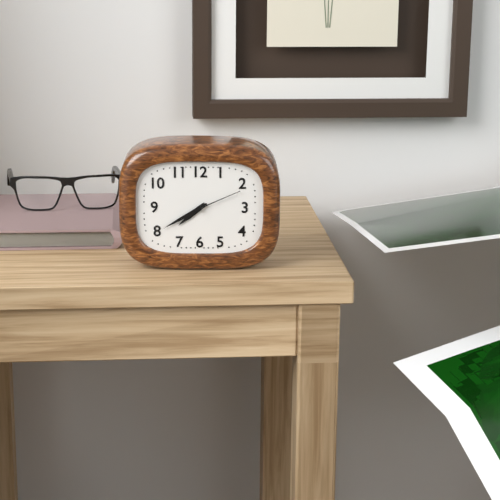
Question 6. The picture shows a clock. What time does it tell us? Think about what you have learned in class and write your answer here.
7:40:11
